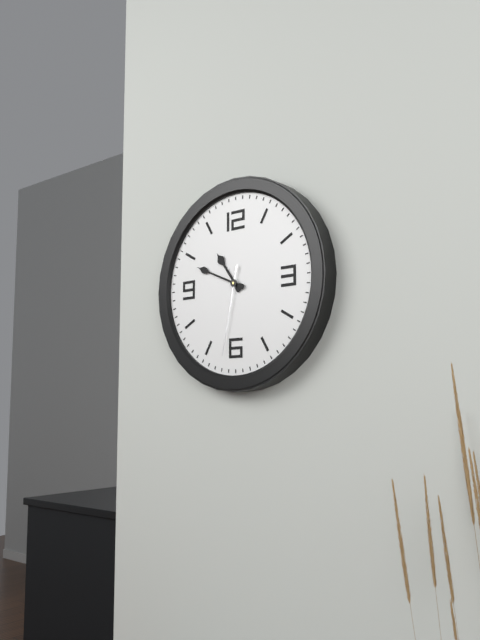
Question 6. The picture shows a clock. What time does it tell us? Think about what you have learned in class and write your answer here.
10:49:32
